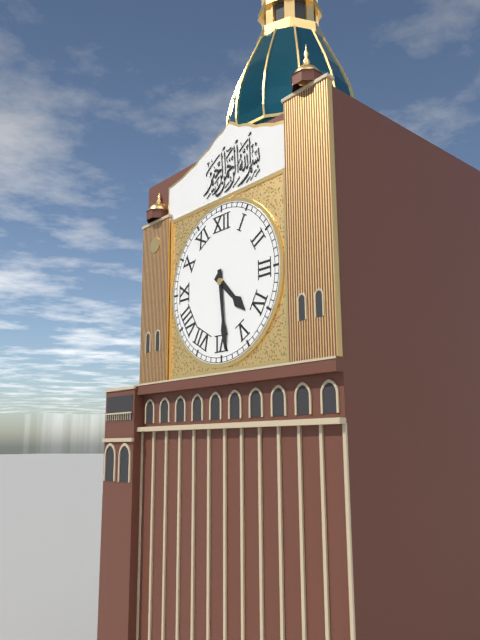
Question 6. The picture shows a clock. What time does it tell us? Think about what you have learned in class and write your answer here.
4:29
